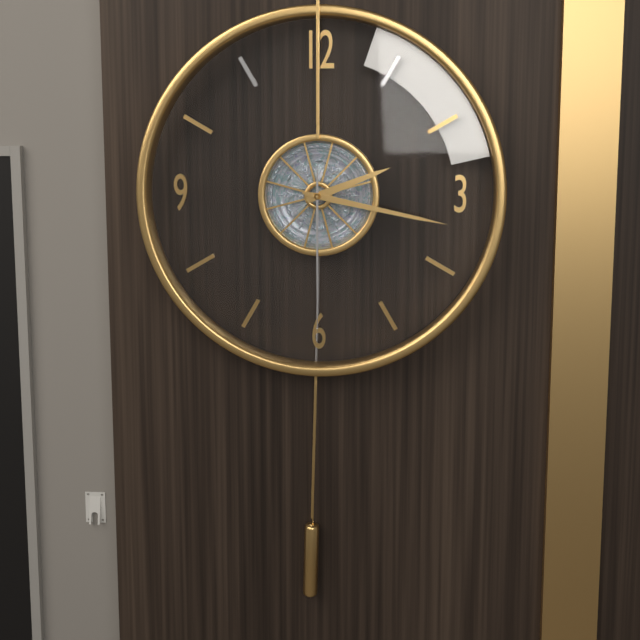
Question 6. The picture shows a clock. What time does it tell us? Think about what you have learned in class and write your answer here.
2:17:30
